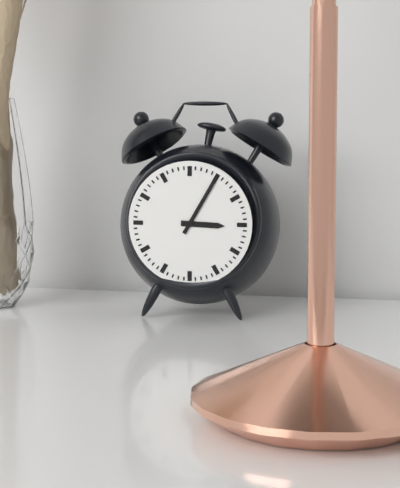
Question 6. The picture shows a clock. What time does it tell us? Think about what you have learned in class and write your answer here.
3:05
